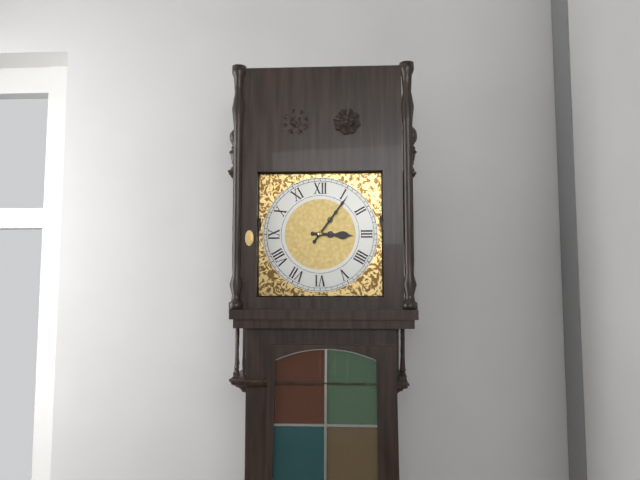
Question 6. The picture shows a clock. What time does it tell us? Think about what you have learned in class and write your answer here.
3:06
